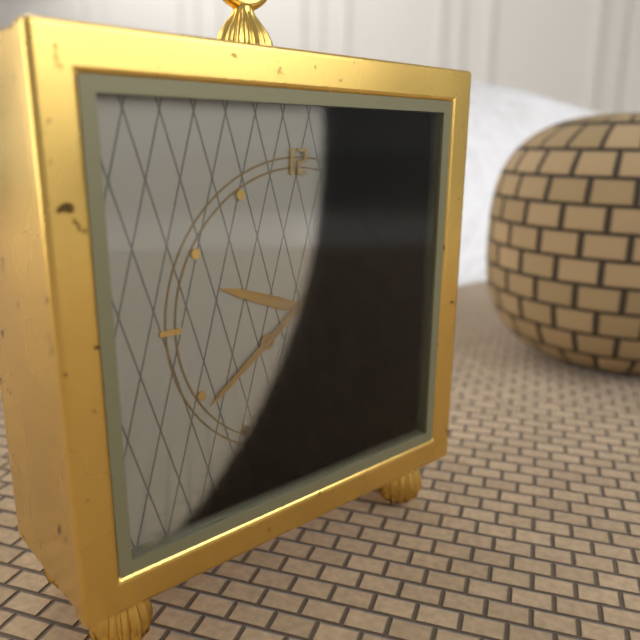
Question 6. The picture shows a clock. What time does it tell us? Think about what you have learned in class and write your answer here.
9:39
